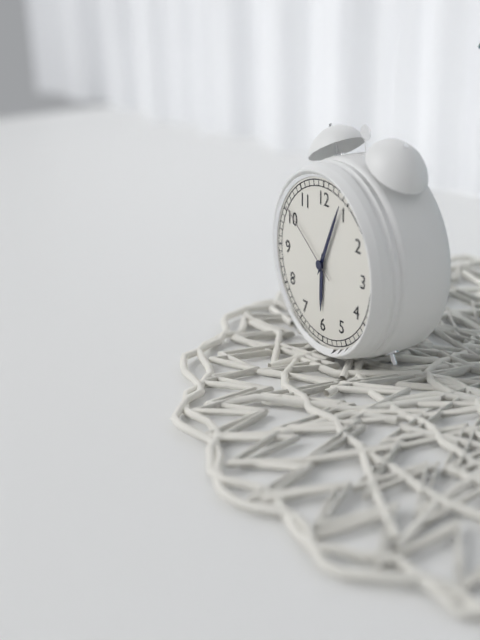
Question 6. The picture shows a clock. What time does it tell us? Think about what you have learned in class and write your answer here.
6:04:51
